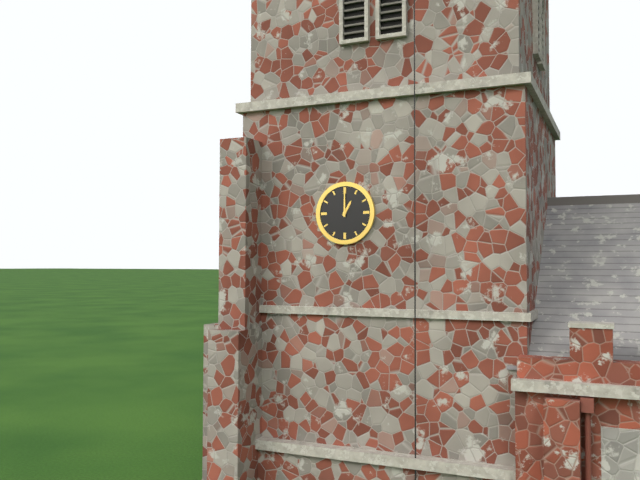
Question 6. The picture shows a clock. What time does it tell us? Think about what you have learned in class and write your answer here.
1:00
